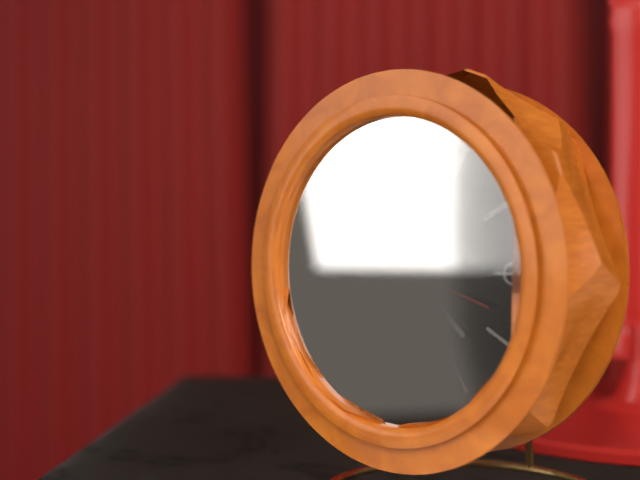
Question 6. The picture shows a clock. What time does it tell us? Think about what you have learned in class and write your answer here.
5:22:18
